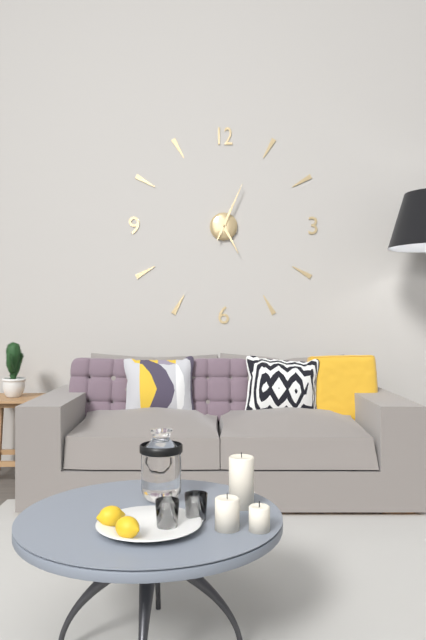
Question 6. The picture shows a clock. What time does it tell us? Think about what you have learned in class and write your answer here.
5:04
